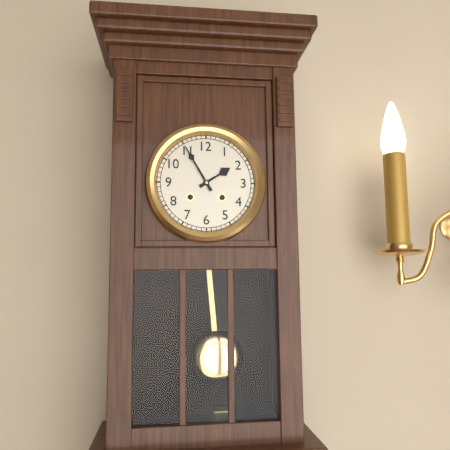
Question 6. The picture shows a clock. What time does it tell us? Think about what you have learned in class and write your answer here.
1:55
